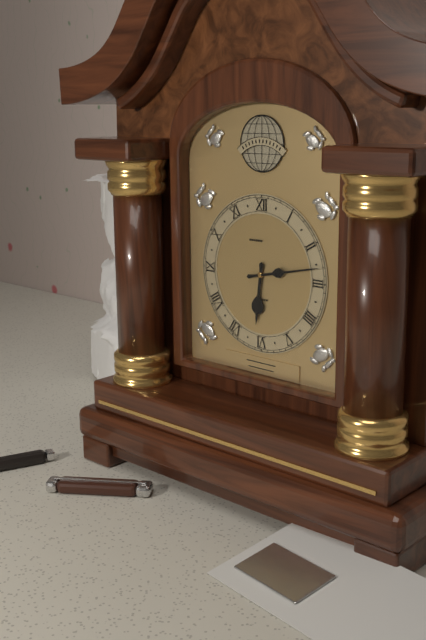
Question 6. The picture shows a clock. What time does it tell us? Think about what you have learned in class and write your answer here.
6:13
